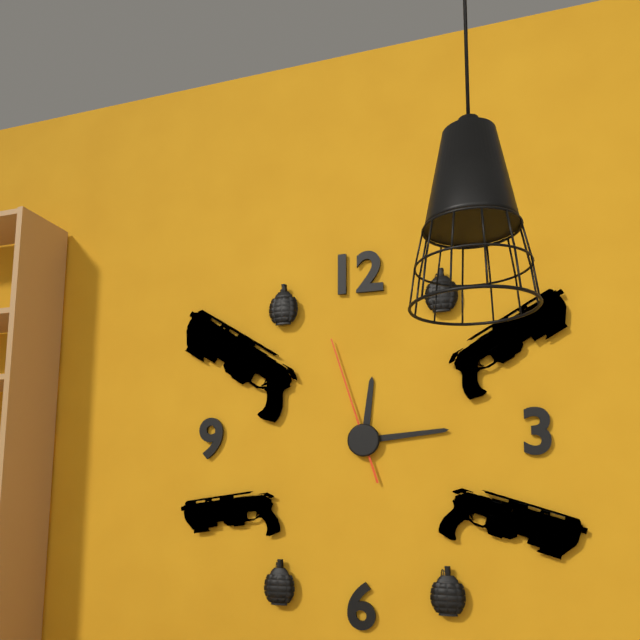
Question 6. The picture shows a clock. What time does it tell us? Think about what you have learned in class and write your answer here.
12:14:57
